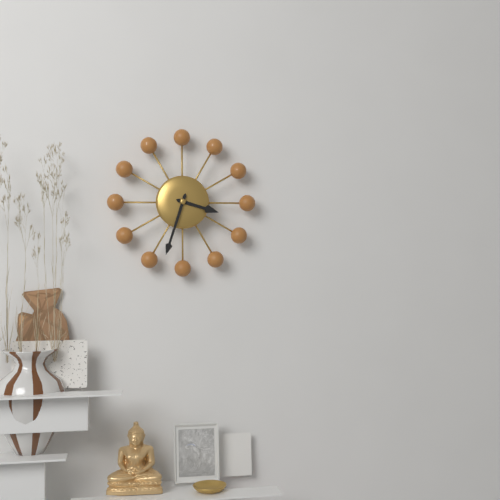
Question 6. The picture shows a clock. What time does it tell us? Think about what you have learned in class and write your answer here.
3:33
